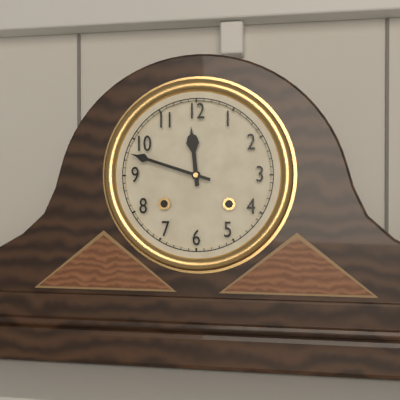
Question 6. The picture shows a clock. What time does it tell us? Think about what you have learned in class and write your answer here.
11:48
